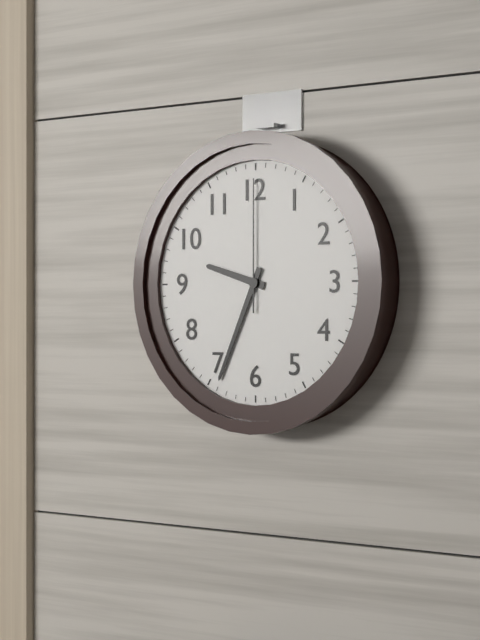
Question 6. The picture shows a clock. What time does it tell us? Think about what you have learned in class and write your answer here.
9:34:00
